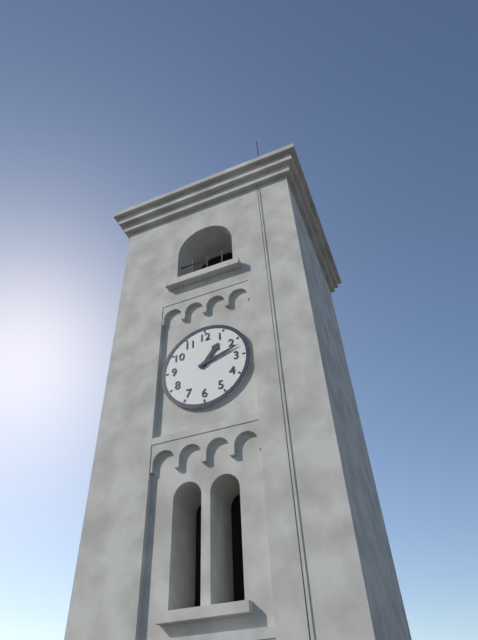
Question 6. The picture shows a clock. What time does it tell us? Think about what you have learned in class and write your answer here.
1:12
